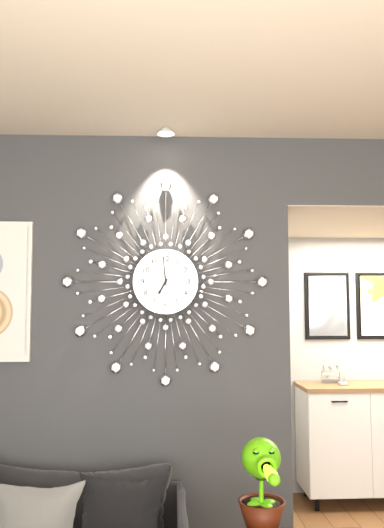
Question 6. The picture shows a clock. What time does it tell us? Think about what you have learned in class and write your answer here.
6:59
